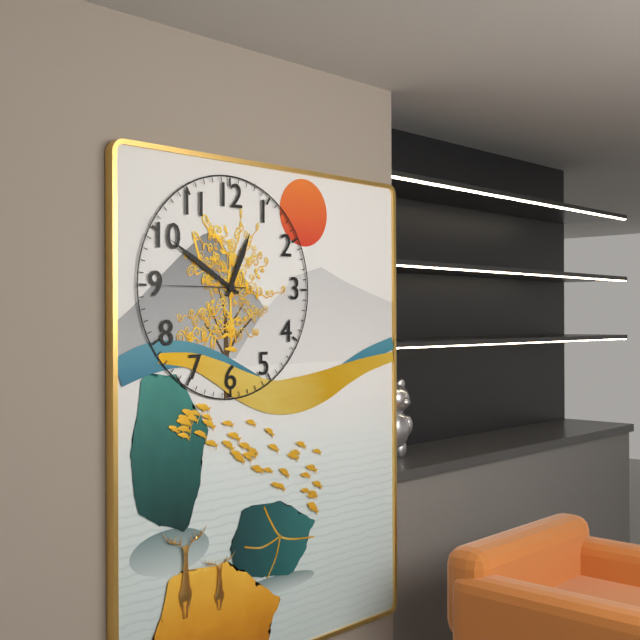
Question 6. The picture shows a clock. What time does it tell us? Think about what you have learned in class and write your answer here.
12:50:45
